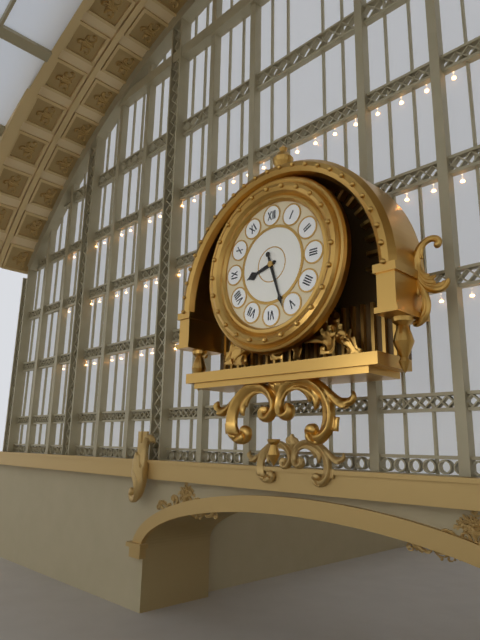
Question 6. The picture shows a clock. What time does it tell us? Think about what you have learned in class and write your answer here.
8:27
